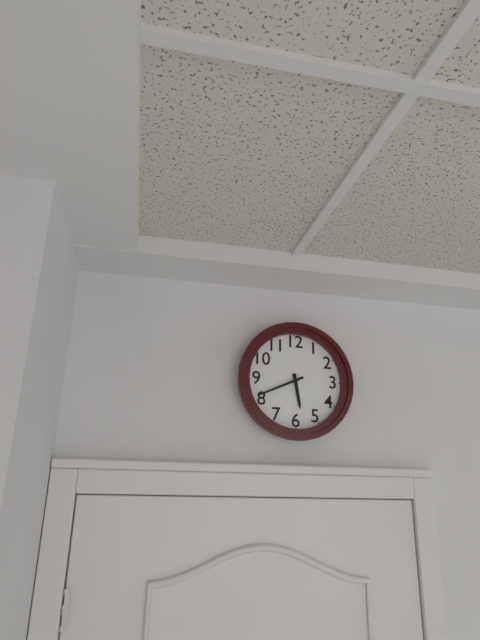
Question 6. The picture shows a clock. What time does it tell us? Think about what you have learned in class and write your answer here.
5:41
